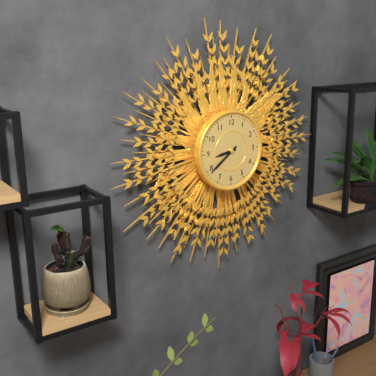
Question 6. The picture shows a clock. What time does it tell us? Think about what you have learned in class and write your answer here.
8:39
